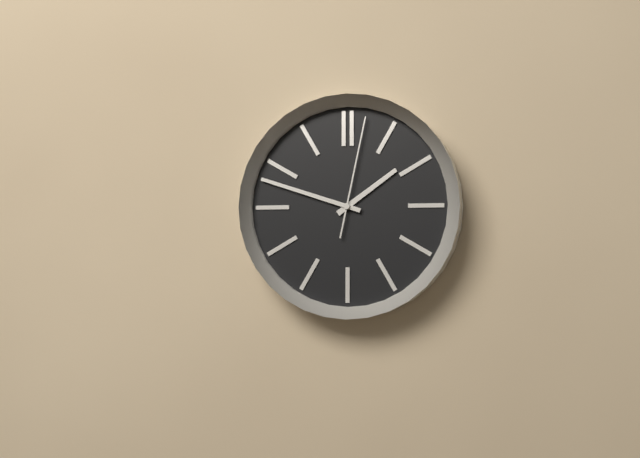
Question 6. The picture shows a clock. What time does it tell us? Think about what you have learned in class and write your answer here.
1:48:02
